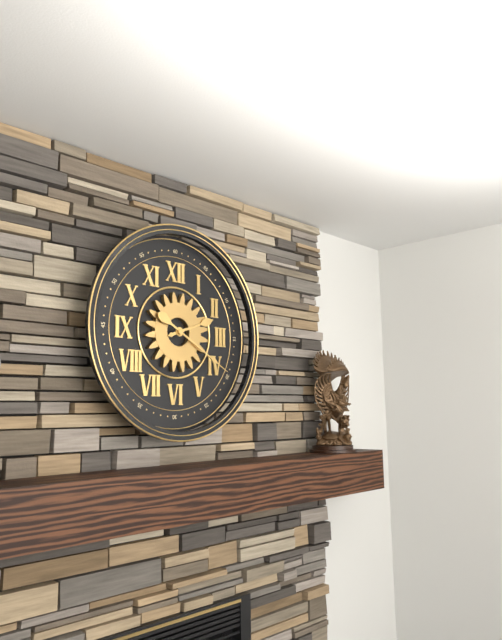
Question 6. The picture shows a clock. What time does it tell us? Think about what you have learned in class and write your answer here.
2:20
